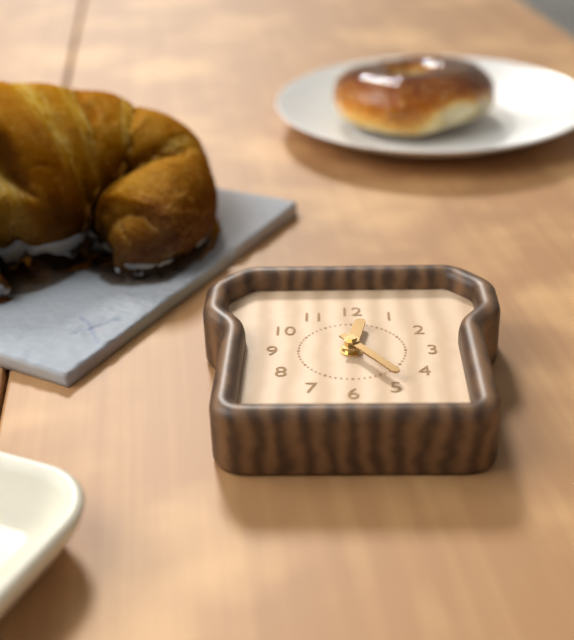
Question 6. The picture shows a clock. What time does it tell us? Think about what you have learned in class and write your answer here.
12:24
